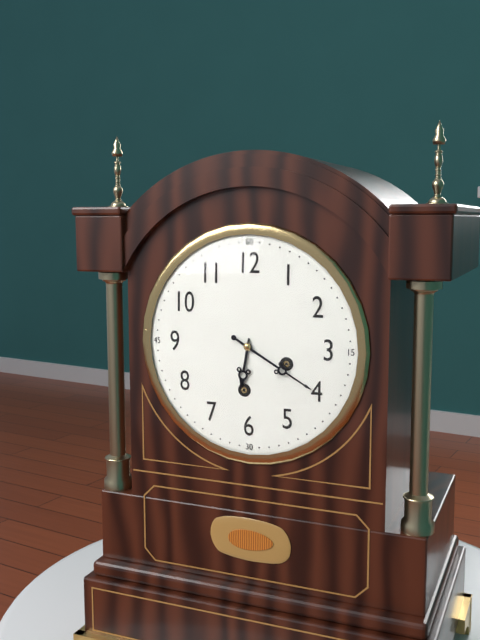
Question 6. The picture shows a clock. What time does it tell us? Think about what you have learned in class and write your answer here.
6:20
